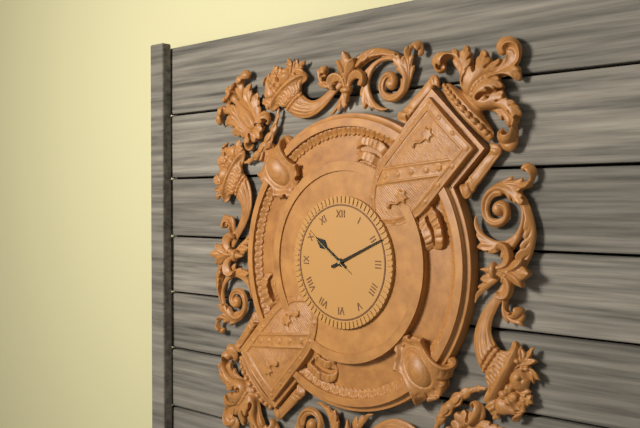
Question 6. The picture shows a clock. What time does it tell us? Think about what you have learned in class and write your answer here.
10:11:51
